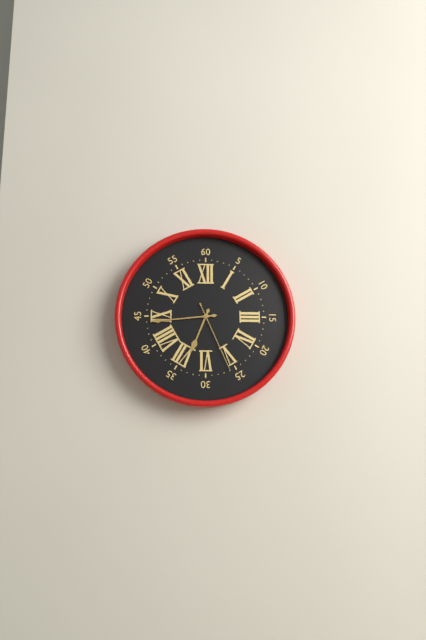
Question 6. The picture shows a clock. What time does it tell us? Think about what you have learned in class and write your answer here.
6:44:26
